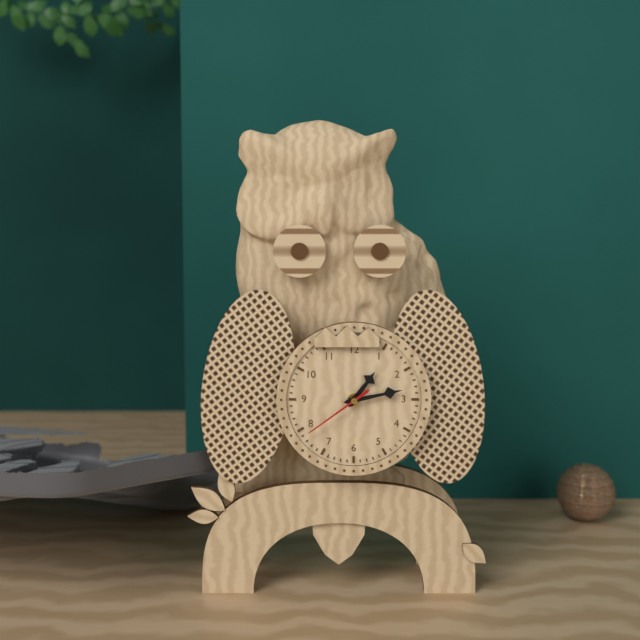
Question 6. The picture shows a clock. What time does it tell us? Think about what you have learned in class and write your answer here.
1:13:39
